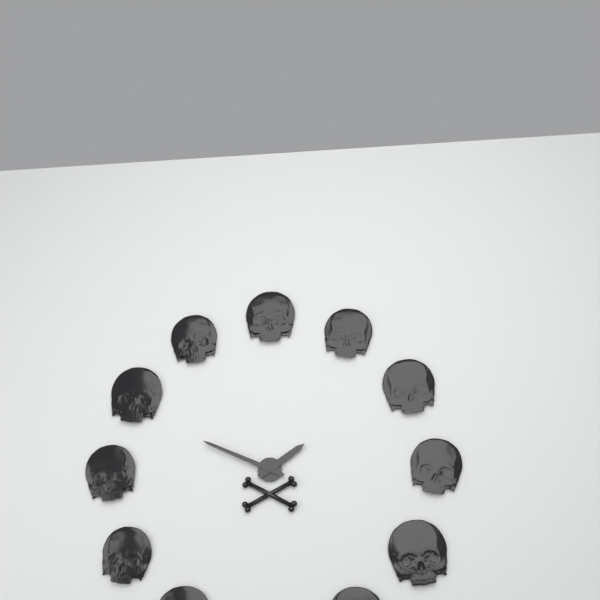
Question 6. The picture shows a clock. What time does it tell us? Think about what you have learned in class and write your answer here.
1:49
